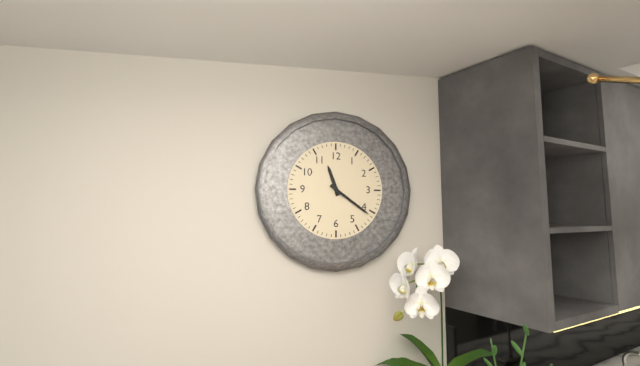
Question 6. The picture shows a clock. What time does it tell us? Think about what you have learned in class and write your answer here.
11:21
